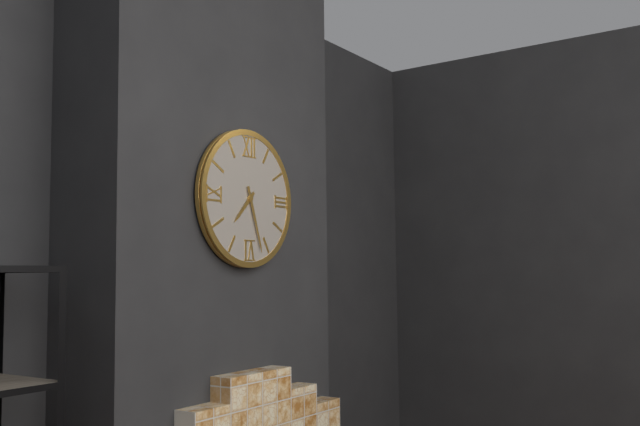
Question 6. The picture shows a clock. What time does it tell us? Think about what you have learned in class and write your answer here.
7:27
